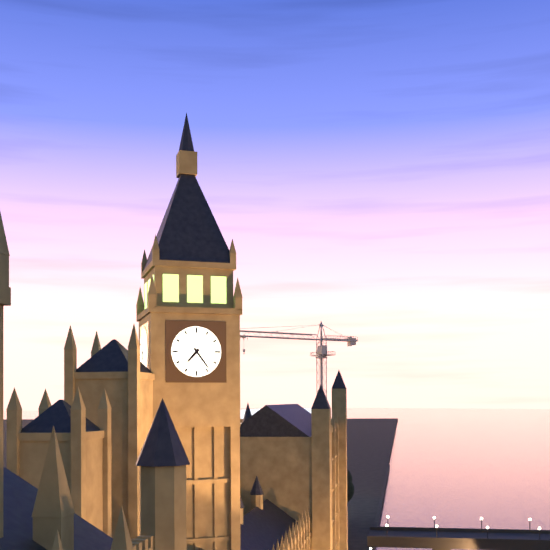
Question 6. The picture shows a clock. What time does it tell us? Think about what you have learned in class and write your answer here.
7:24
